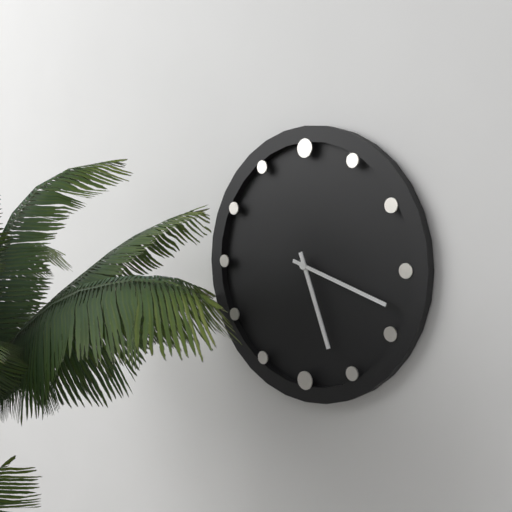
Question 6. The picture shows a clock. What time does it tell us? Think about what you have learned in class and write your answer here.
5:18
